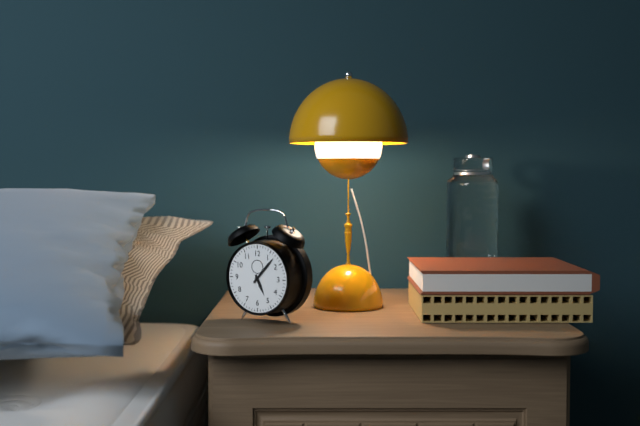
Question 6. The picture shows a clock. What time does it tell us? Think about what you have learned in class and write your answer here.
5:07
